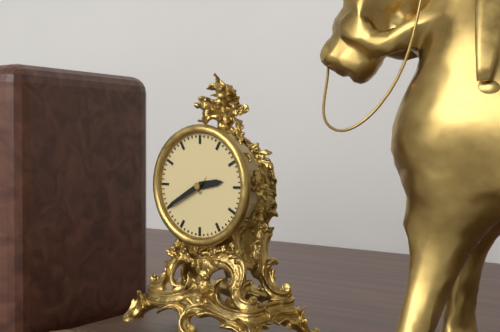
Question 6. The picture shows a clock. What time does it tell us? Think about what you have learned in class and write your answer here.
2:40
